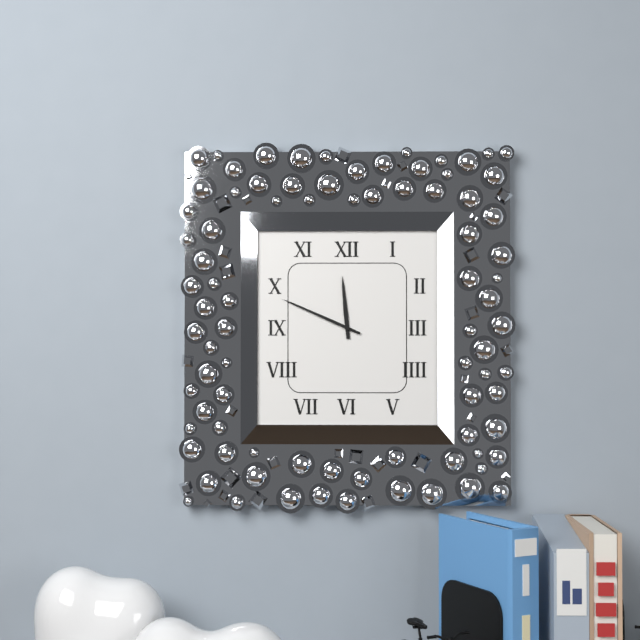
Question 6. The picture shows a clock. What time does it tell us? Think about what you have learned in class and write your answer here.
11:49
